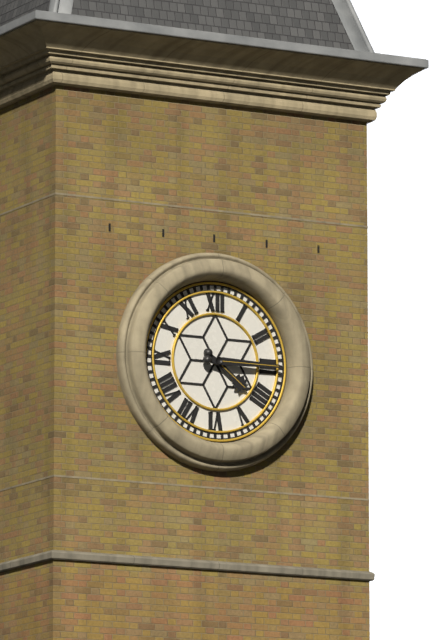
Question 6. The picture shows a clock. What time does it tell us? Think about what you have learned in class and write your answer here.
4:15
